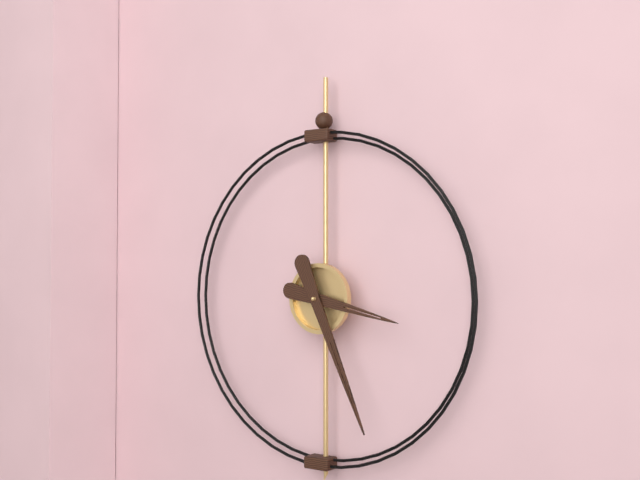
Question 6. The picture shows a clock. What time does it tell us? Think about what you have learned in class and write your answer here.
3:26
